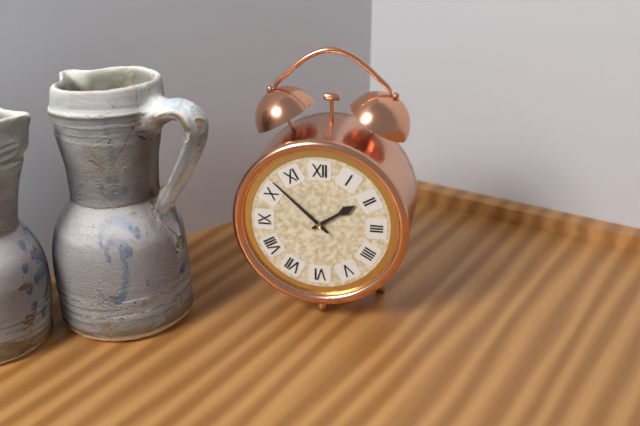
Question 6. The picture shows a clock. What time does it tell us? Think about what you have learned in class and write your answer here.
1:52
